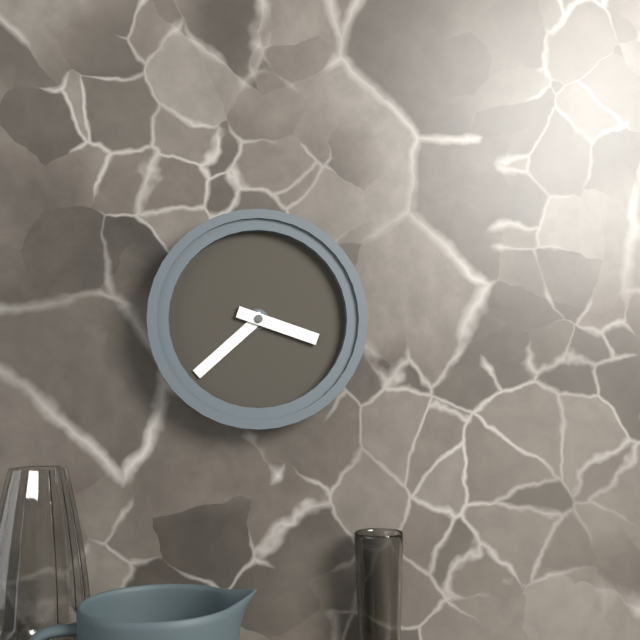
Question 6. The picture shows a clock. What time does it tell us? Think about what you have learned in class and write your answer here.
3:38
